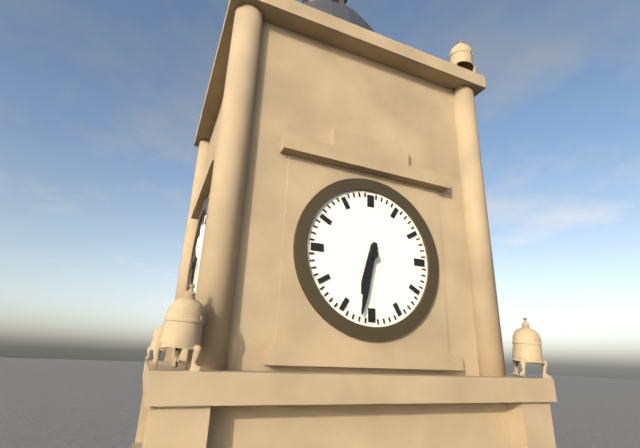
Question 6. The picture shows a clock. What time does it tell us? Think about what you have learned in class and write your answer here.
6:32
